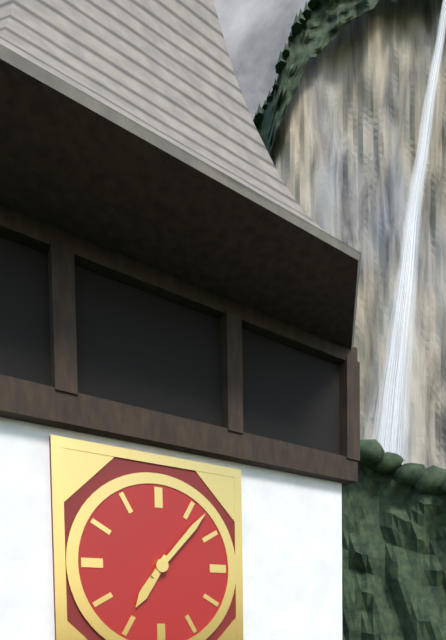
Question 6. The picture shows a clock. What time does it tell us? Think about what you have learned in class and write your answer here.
7:07
